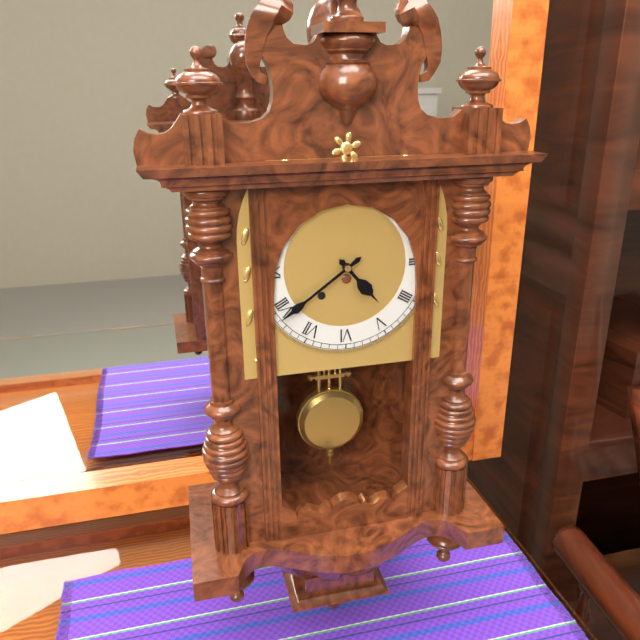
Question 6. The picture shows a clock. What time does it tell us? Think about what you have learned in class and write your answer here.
4:39
